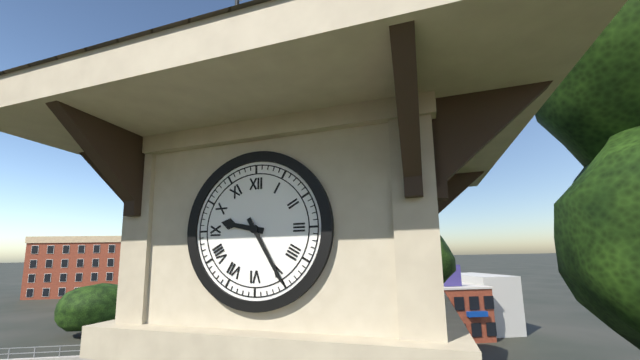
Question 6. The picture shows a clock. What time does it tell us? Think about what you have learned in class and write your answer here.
9:25
